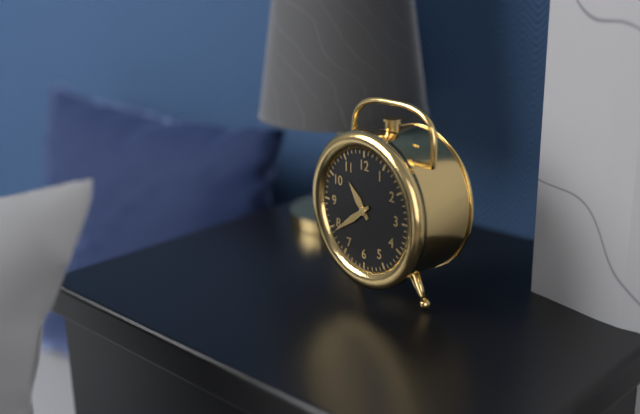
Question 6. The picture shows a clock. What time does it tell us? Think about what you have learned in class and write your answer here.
10:39
